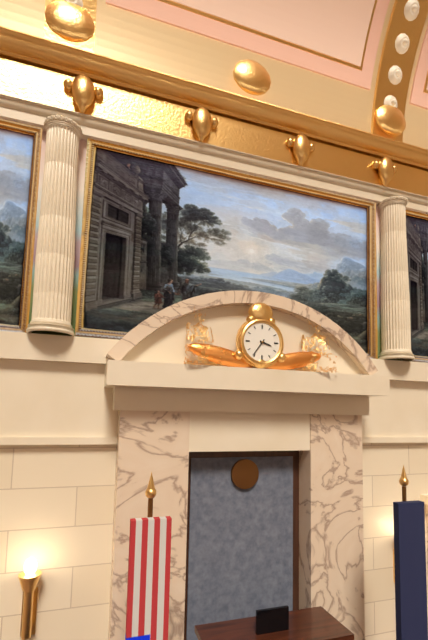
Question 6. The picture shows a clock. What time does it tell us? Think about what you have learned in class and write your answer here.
3:36
